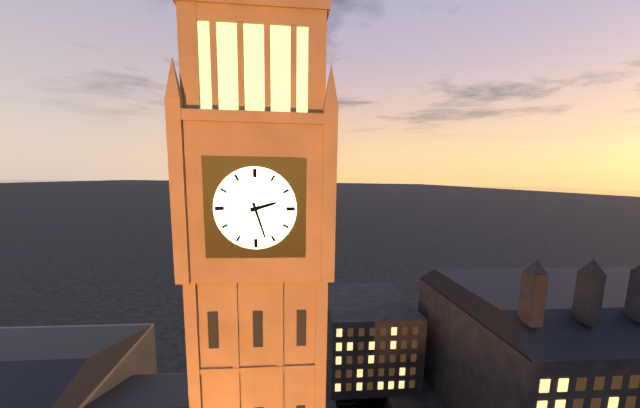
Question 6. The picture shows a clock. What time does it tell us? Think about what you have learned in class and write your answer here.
2:27
